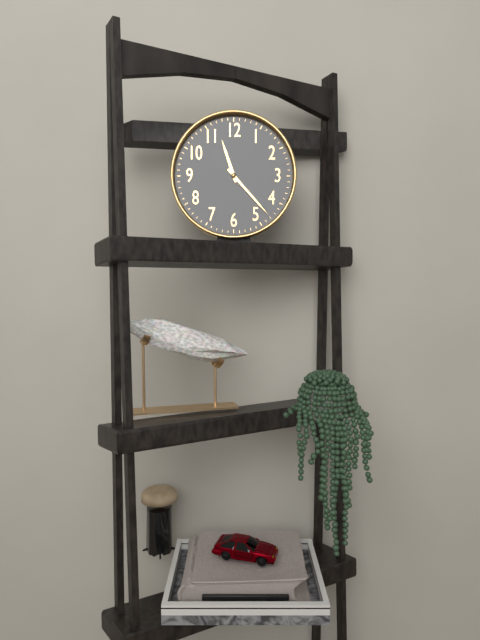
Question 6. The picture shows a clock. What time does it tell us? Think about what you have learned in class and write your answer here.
11:23
